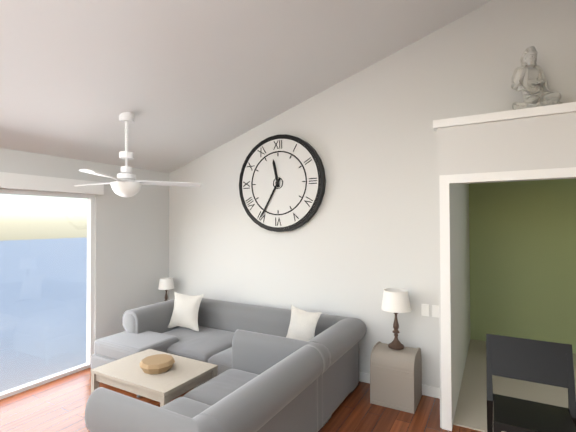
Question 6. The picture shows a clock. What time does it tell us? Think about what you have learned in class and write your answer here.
11:35
